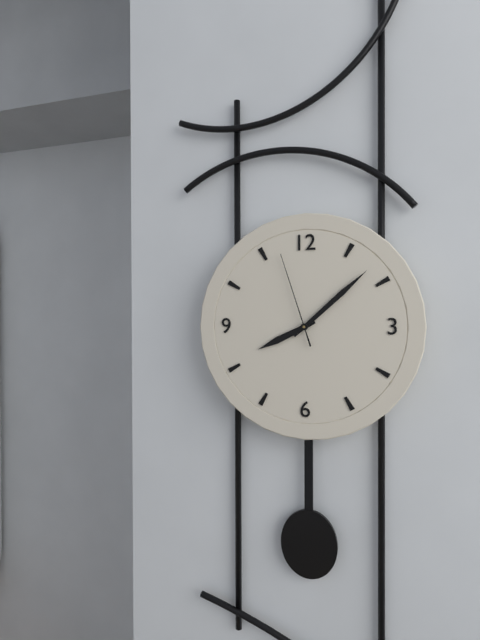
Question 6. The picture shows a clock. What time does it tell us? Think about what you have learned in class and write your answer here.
8:08:57
